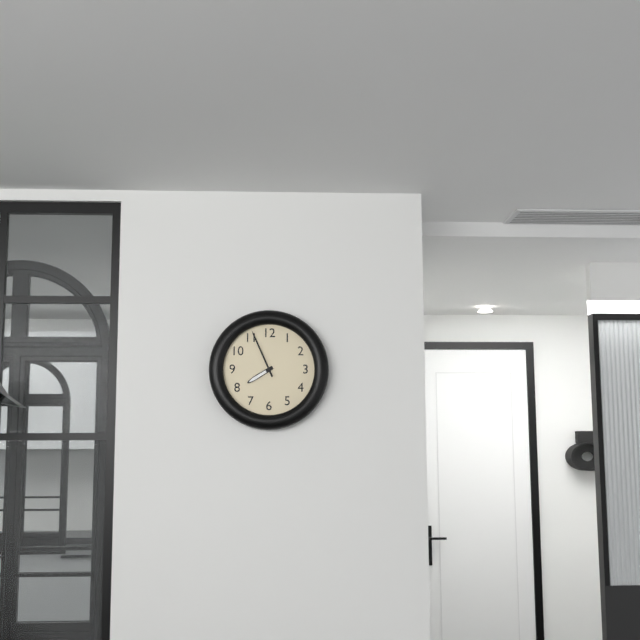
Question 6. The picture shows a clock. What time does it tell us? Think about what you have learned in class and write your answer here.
7:56
